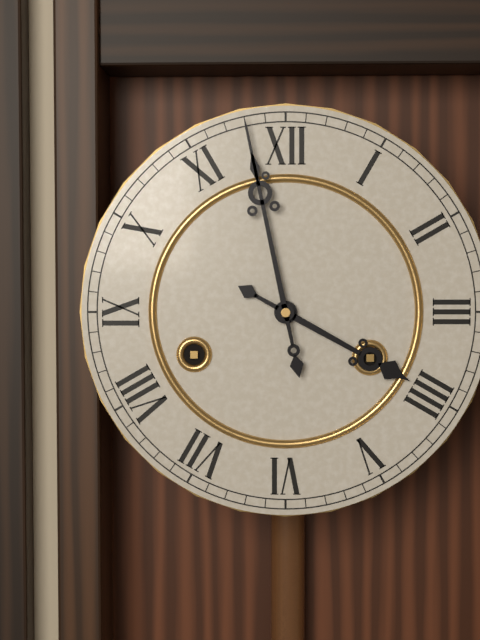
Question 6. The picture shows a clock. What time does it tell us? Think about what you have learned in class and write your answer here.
3:58
